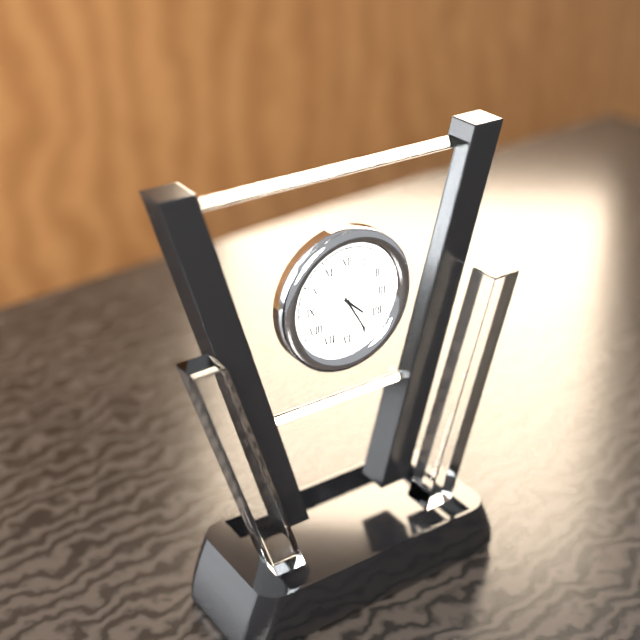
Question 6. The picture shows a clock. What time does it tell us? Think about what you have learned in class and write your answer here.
4:25:34
